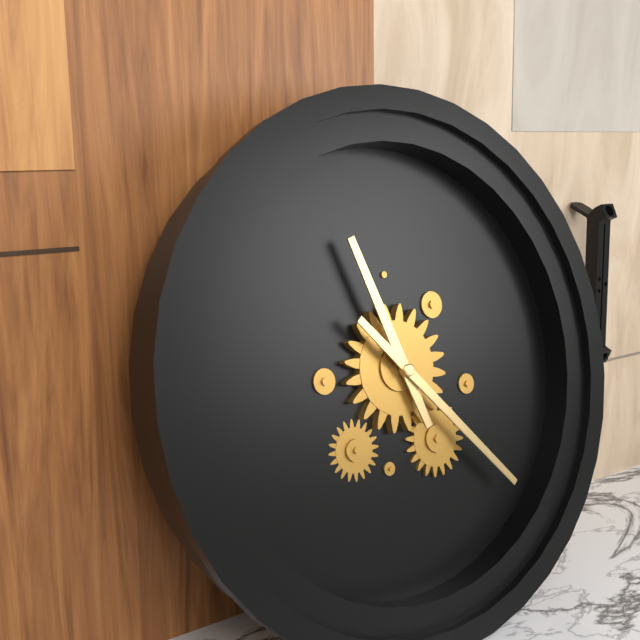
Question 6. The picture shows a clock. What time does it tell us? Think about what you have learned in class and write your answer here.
11:23
